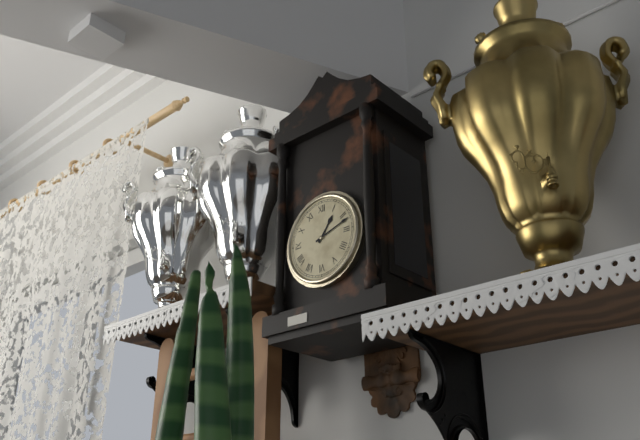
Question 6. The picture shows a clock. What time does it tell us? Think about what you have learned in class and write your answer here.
1:12
